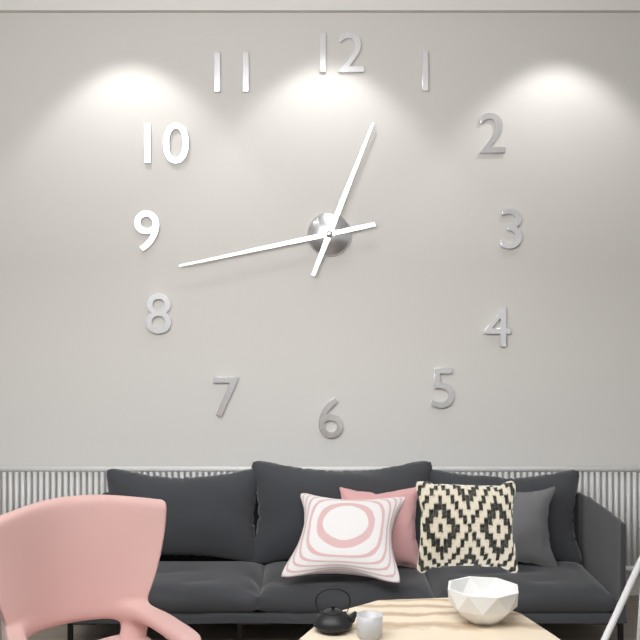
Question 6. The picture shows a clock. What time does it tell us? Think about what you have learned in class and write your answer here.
12:43
